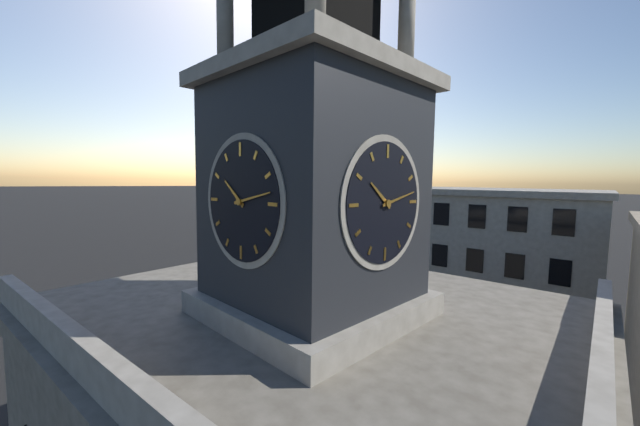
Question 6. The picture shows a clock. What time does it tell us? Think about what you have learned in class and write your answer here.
10:13
